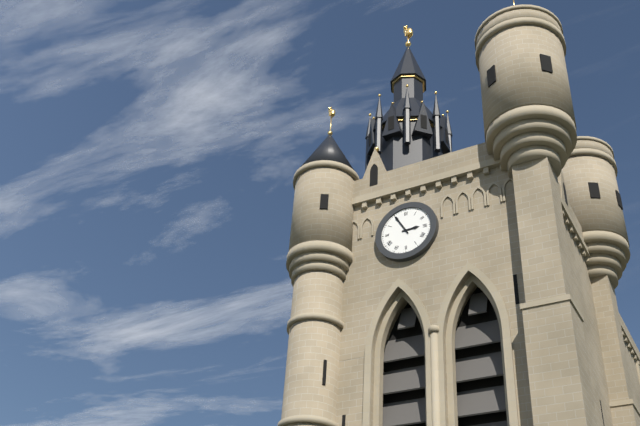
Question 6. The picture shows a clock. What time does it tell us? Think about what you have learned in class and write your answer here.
2:55
